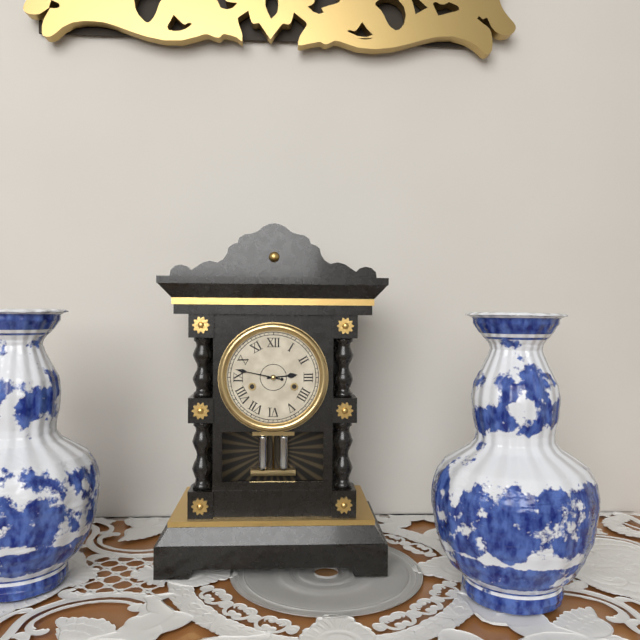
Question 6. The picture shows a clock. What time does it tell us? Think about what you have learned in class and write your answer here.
2:47
